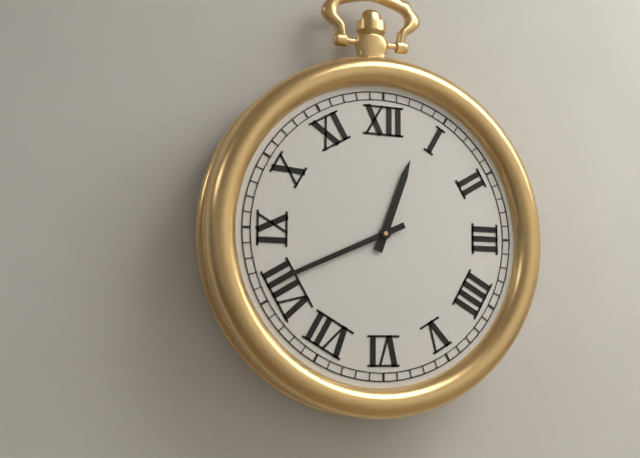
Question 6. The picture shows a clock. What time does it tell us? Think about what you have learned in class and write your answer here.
12:41
